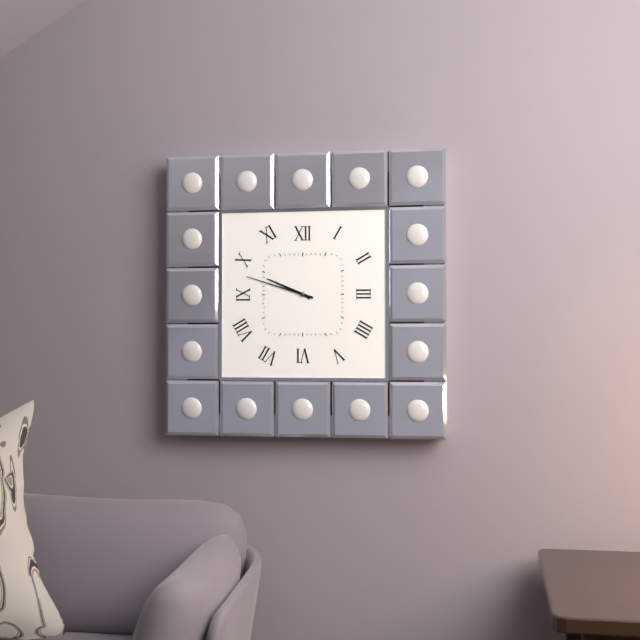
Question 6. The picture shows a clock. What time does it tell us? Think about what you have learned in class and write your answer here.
9:48
